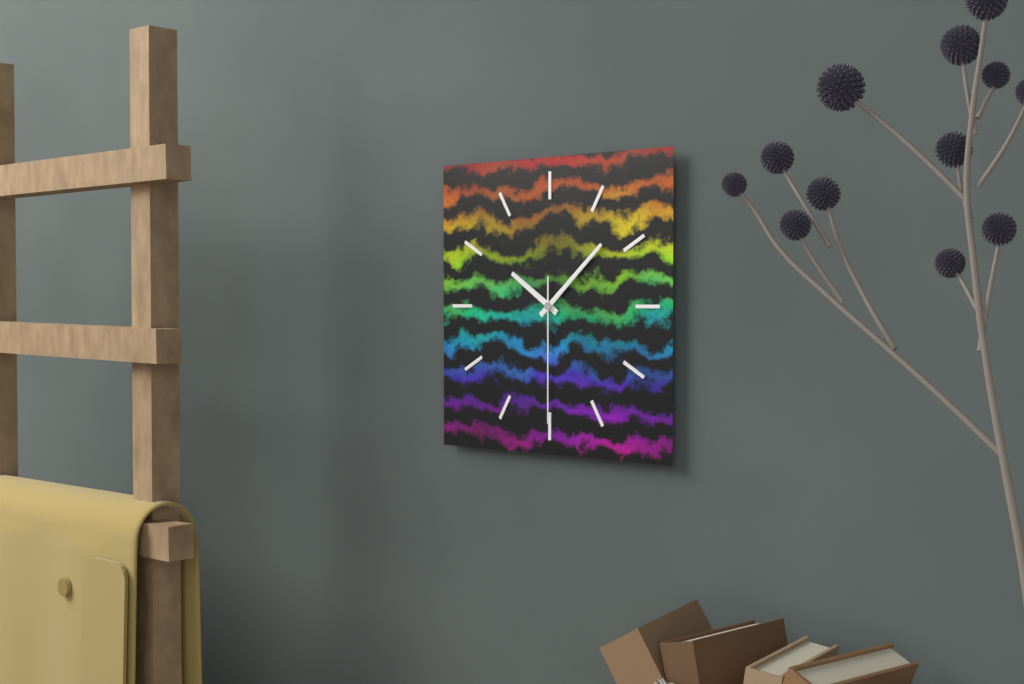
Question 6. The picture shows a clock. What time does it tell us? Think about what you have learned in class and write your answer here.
10:08:30
